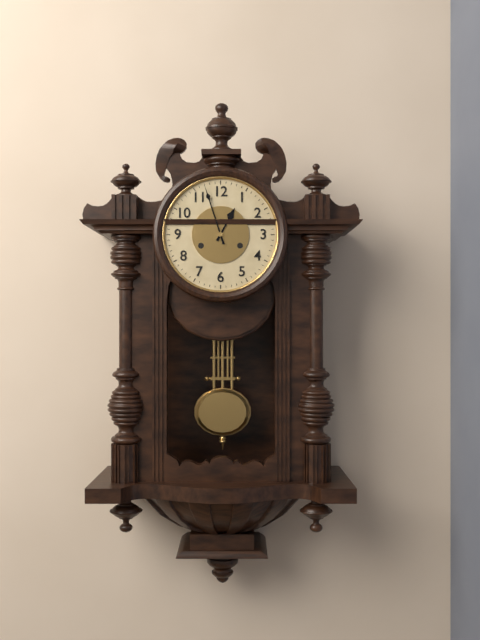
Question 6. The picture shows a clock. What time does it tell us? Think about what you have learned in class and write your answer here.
12:57
